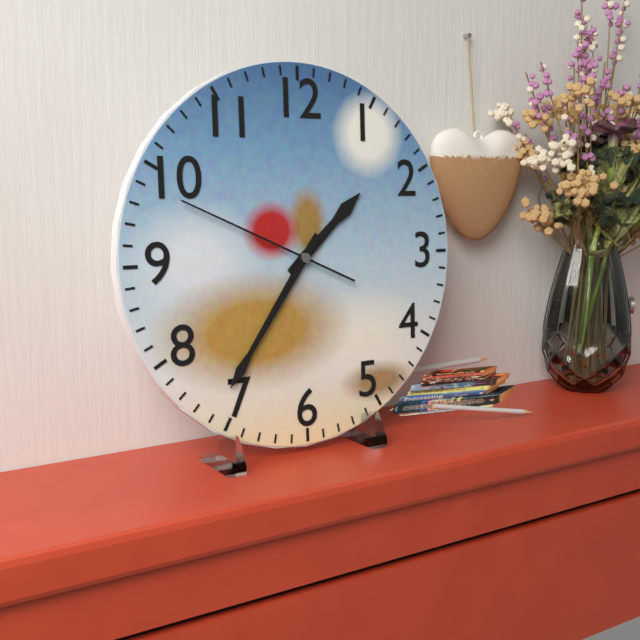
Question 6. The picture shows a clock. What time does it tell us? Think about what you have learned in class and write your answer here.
1:36:49
